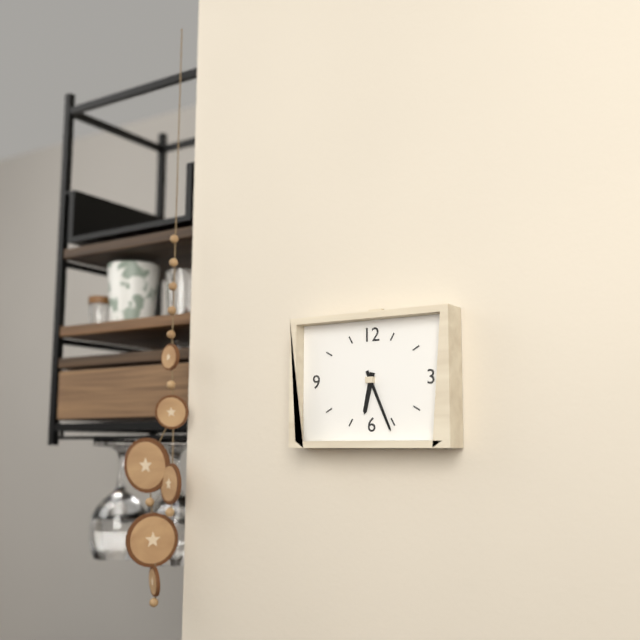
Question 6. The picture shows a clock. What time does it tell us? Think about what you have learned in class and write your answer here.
6:26
